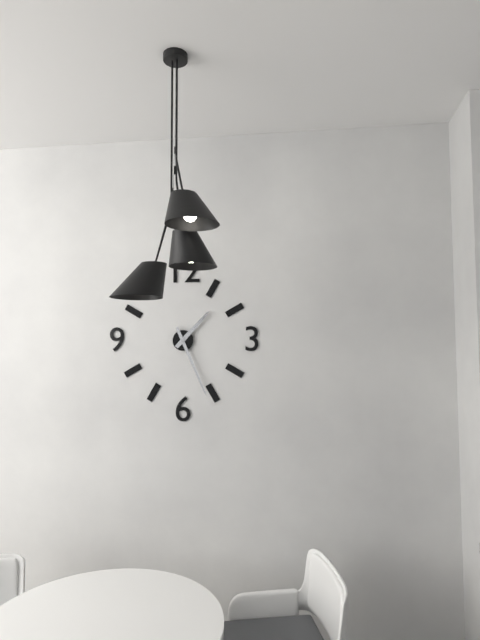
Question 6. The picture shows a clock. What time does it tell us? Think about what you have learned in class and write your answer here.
1:26
